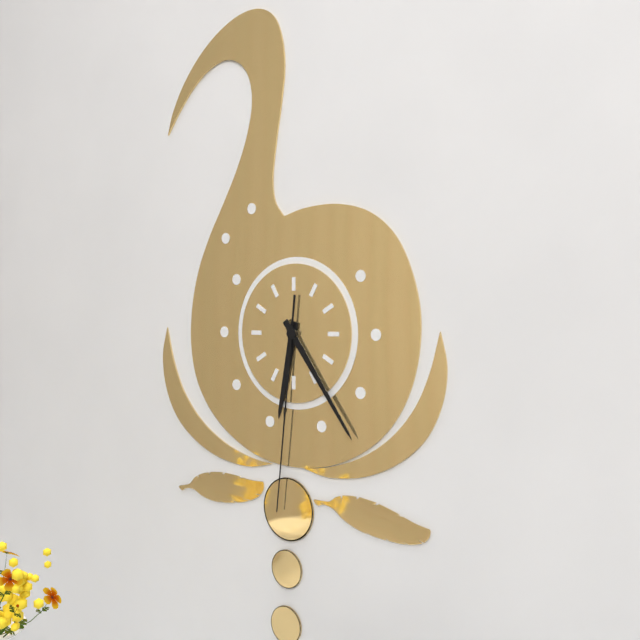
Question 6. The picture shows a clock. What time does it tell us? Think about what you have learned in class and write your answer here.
6:24:31
